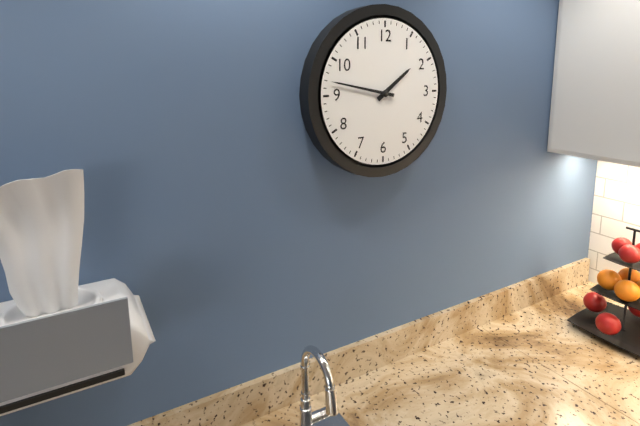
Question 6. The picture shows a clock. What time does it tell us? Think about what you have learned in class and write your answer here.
1:47
